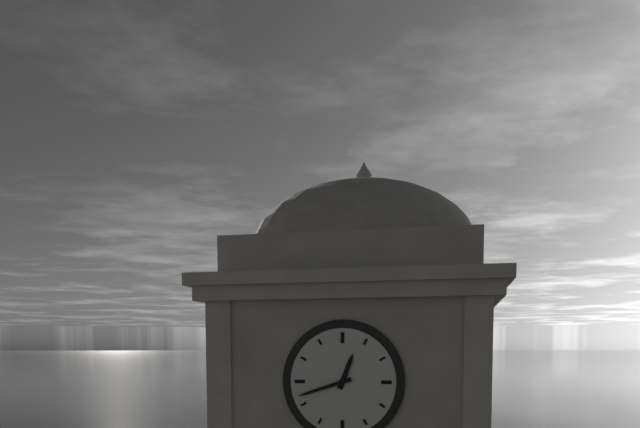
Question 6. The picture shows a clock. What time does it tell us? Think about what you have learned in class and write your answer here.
12:42
